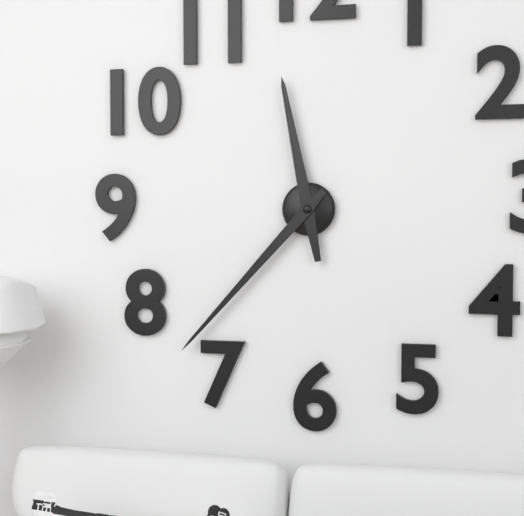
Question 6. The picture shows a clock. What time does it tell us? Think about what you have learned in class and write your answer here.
11:37
